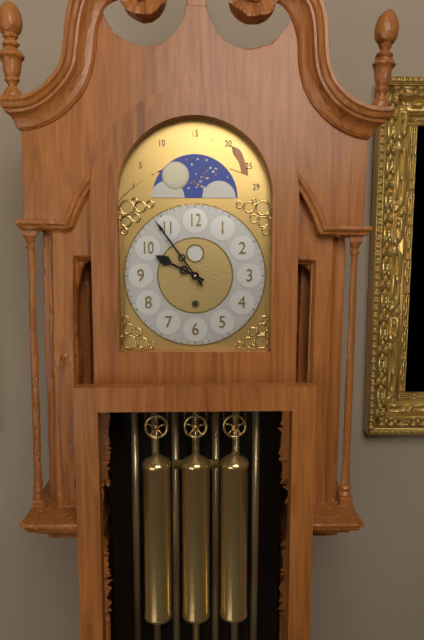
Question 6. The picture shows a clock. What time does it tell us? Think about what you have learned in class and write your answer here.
9:54
